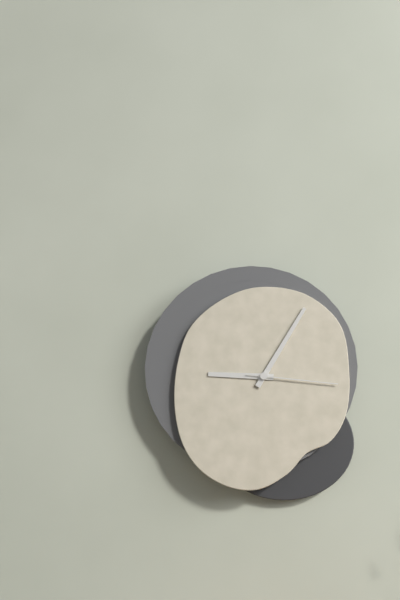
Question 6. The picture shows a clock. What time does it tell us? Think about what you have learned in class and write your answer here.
9:05:16
